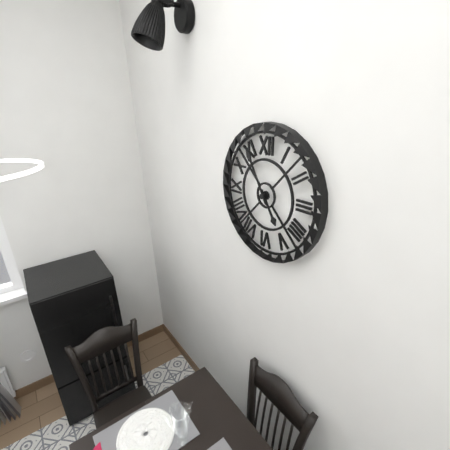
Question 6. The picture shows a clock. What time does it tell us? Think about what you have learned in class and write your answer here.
4:55
